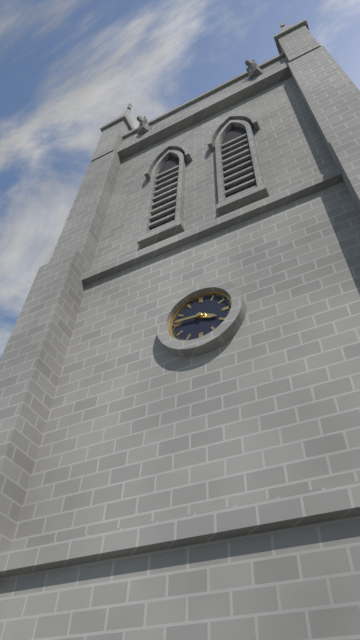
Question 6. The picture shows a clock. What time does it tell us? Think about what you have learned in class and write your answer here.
3:46
